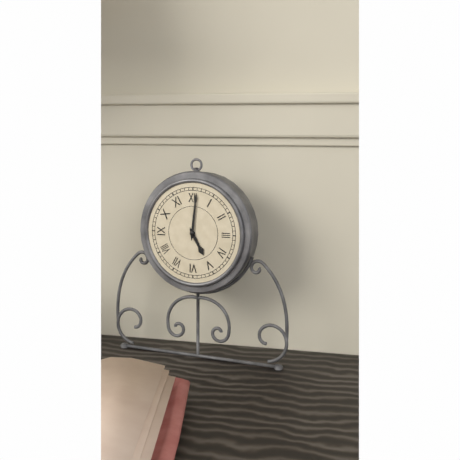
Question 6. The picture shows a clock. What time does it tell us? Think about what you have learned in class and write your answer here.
5:01
